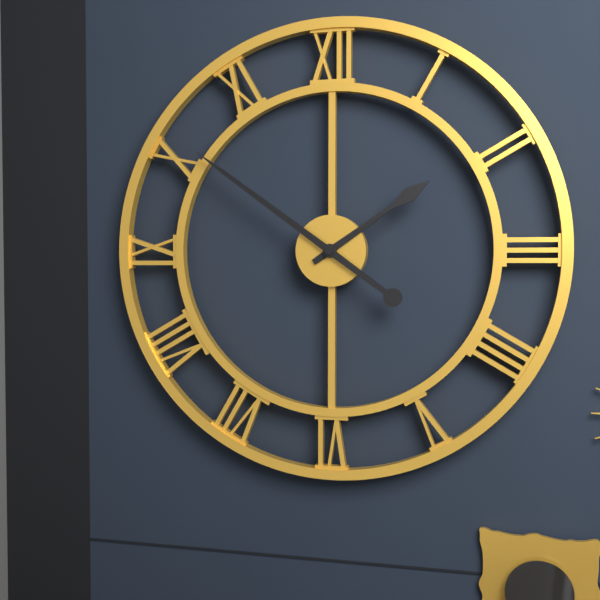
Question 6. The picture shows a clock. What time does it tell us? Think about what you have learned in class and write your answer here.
1:51
